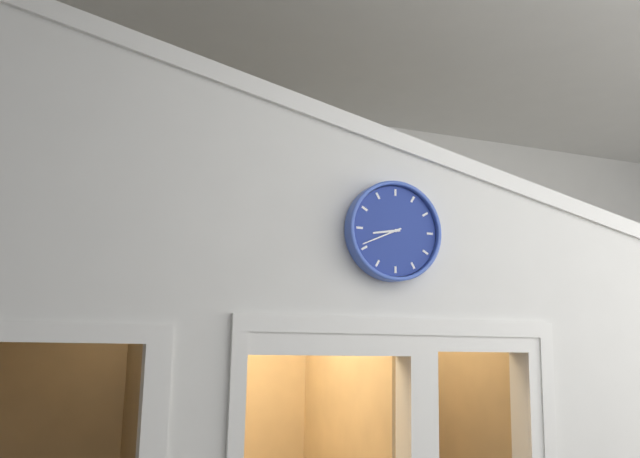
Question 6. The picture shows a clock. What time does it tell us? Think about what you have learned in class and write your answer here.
8:41
